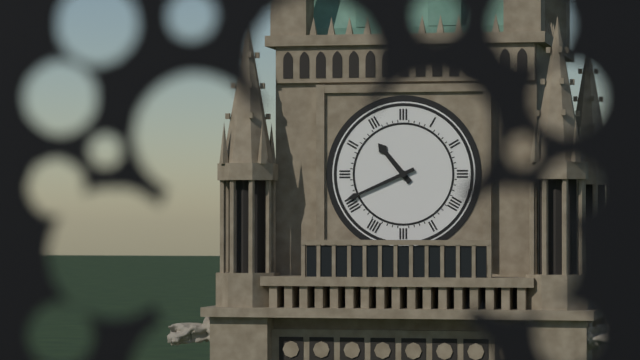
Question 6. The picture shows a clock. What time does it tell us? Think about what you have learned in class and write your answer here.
10:41
